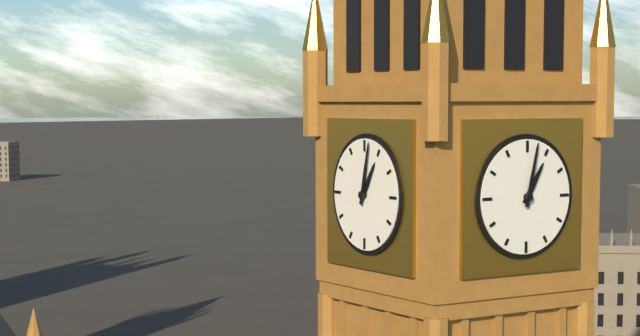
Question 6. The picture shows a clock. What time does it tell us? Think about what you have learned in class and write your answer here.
1:02
